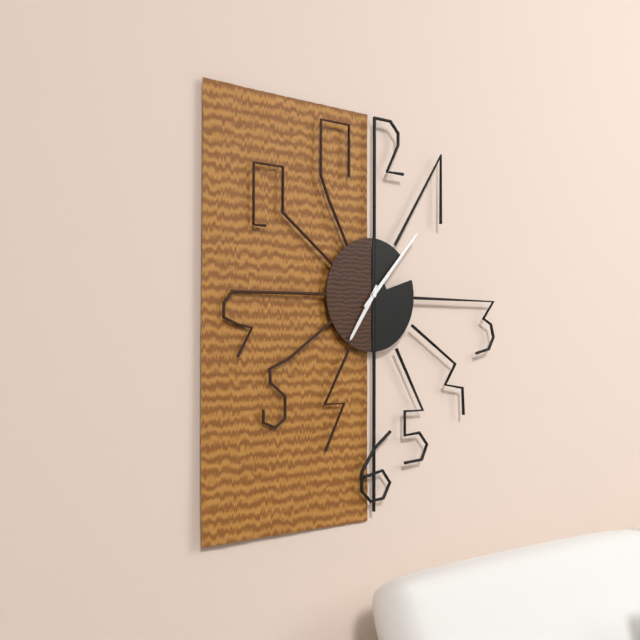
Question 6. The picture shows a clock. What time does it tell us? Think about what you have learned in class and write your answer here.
7:07
